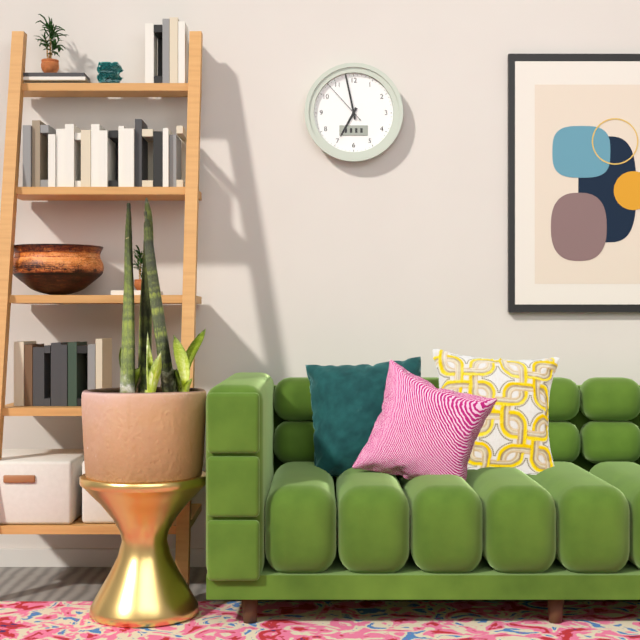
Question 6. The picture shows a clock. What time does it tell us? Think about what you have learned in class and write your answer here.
6:58:53
